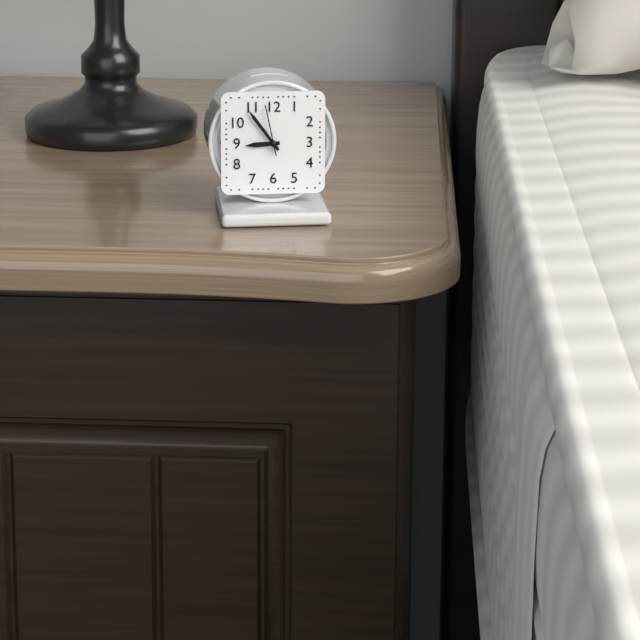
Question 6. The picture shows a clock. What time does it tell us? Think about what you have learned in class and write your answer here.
8:54:58
